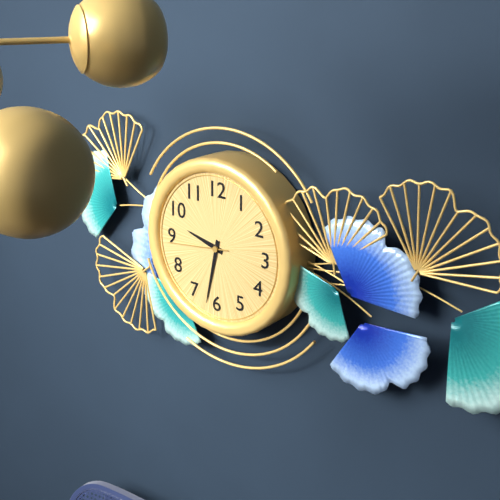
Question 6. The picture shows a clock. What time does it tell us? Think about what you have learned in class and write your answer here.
9:32:44
